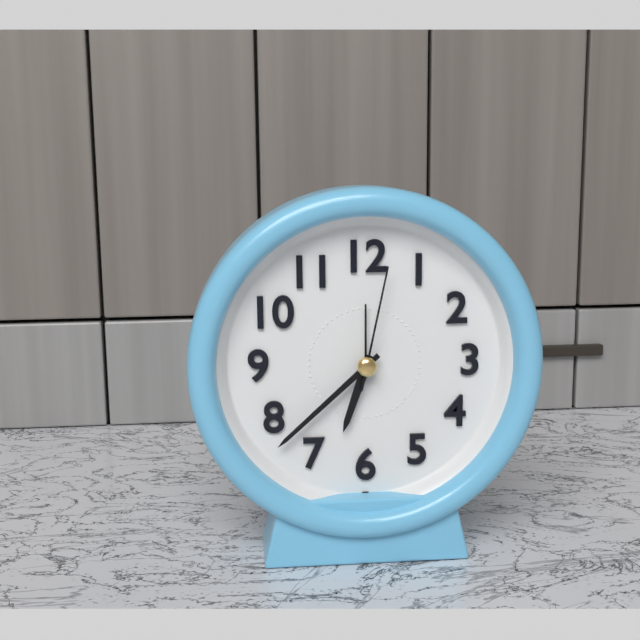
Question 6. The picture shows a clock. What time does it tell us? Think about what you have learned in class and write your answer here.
6:38:02
